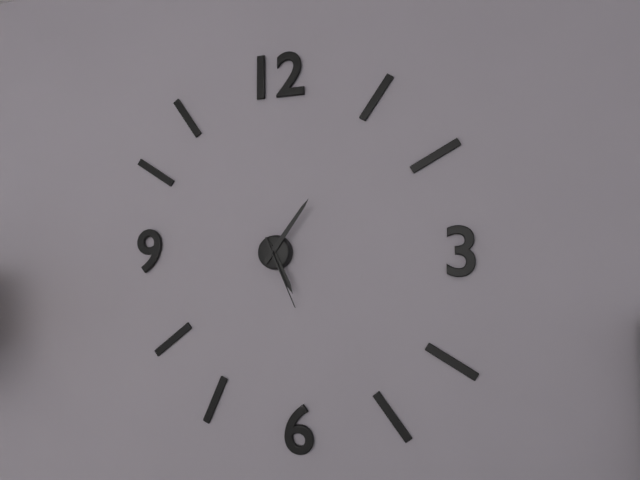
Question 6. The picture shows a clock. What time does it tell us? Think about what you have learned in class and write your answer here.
5:06:26
